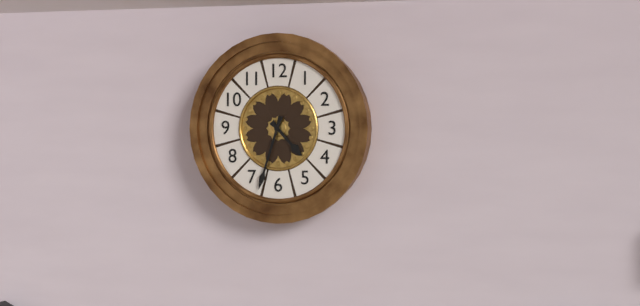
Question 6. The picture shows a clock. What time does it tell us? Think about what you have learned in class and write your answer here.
4:33
